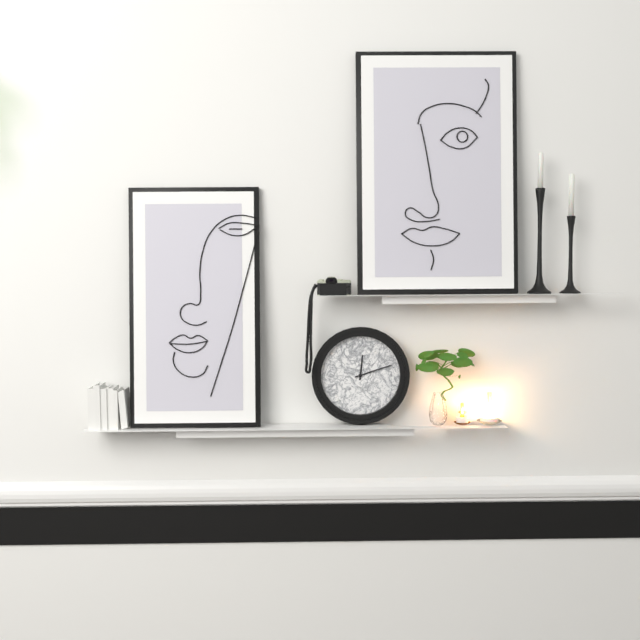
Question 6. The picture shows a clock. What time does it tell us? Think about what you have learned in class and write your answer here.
12:12
